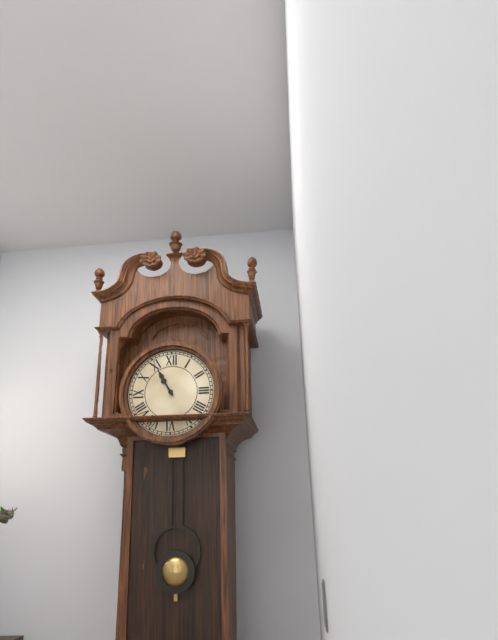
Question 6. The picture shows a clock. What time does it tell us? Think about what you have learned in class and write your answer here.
10:55
